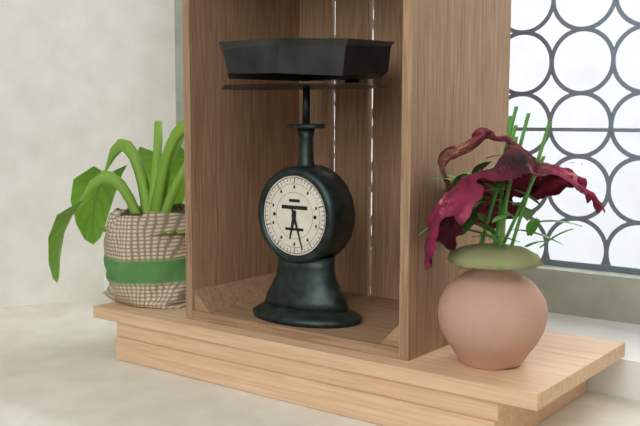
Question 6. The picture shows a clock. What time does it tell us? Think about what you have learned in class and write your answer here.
6:27
